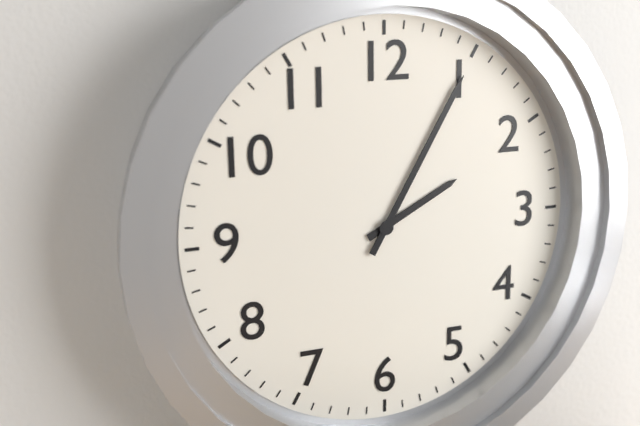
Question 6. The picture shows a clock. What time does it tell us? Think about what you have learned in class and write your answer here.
2:05
